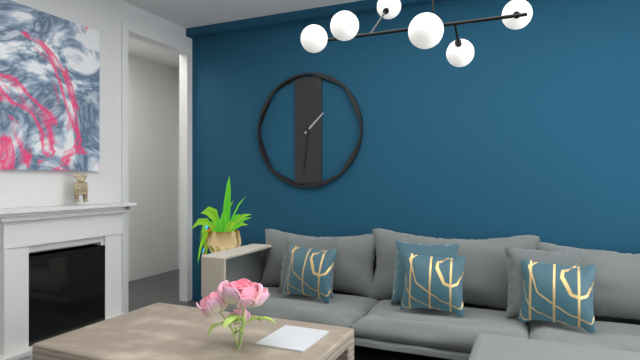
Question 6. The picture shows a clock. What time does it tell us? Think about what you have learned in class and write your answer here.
1:31
